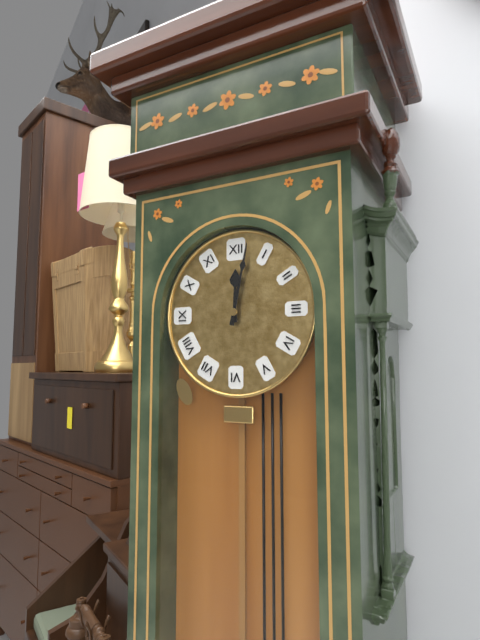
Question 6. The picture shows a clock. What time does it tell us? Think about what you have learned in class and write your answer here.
12:02
